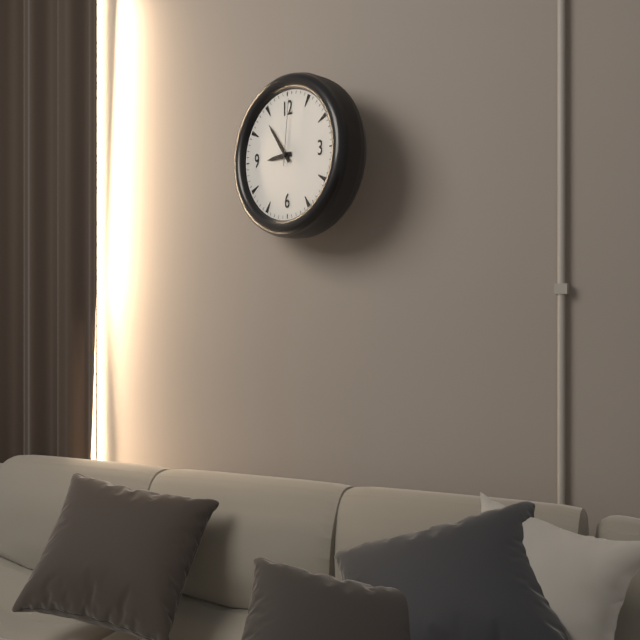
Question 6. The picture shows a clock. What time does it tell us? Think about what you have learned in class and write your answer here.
8:54:01
